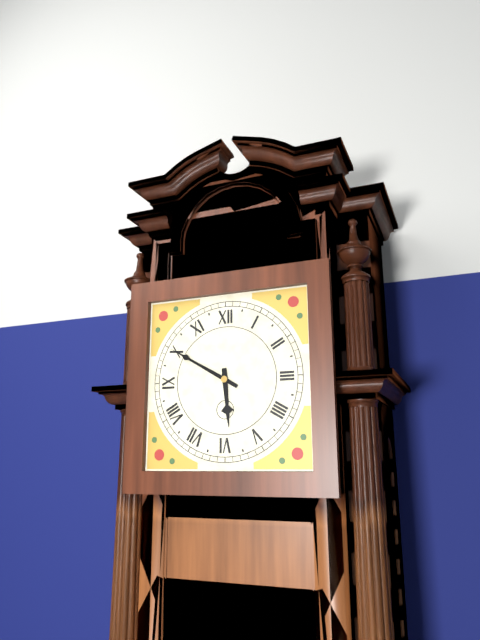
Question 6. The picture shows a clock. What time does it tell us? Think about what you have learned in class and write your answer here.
5:50
